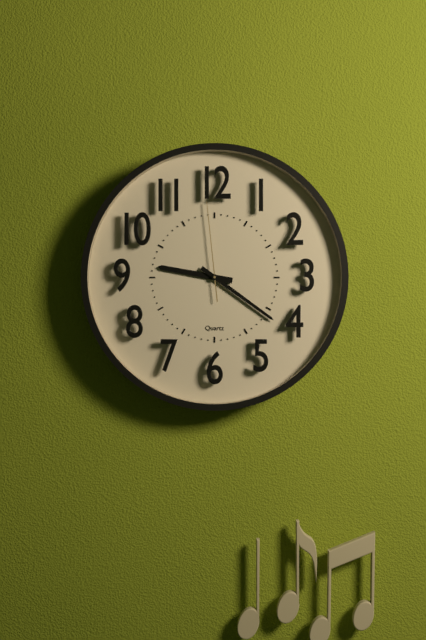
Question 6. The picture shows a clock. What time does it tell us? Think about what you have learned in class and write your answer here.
9:21:59
